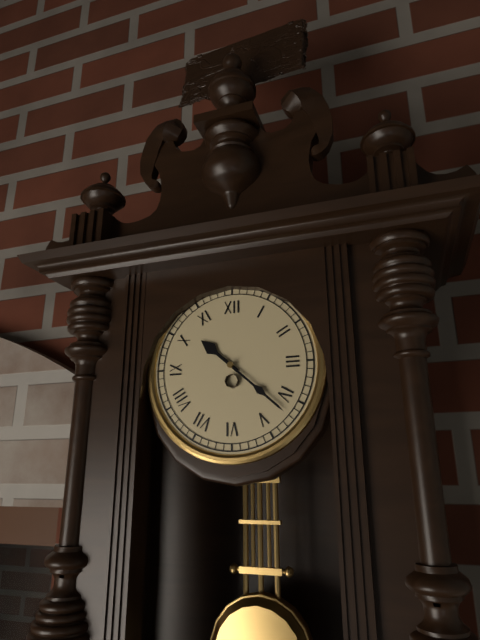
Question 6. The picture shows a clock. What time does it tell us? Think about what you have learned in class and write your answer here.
10:22
